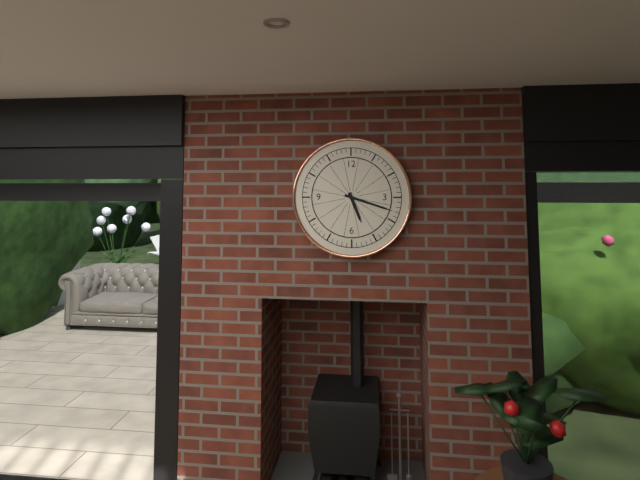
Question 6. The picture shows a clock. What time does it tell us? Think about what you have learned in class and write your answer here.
5:18
